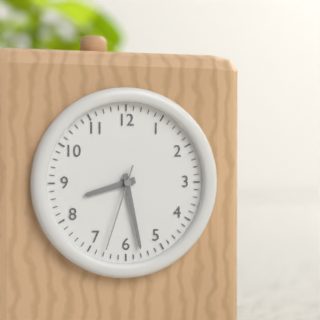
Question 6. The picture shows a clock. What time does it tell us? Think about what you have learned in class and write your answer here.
8:28:33
